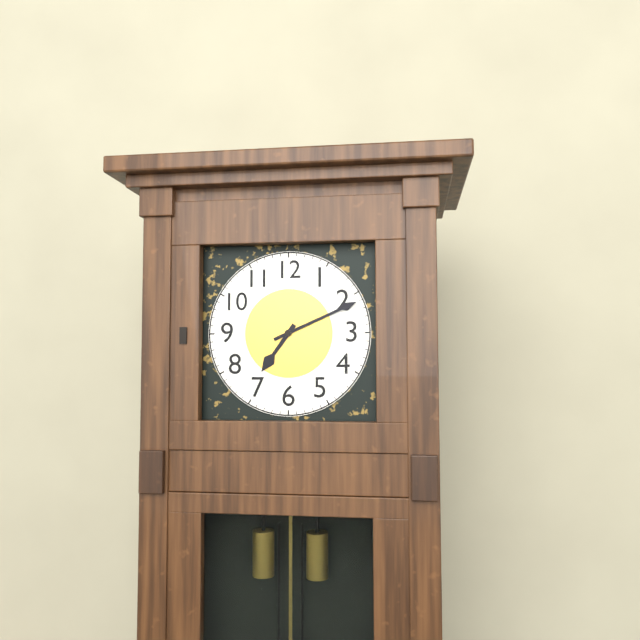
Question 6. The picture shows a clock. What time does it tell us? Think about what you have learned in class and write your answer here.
7:11
